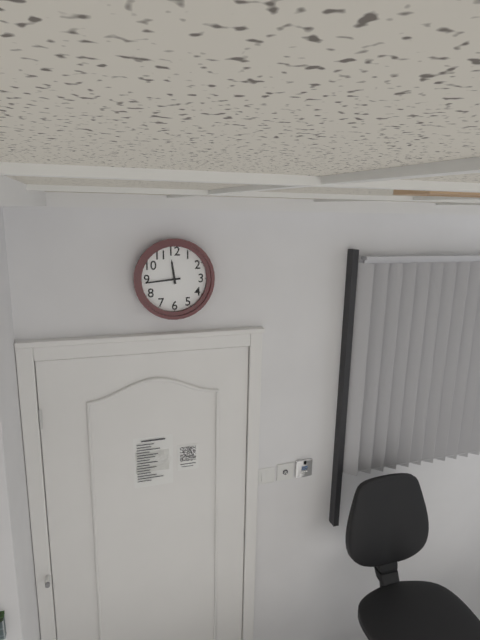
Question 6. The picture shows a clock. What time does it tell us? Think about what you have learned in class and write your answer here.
11:44
